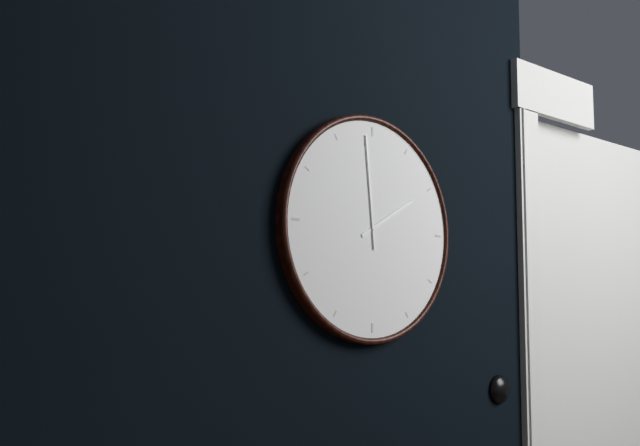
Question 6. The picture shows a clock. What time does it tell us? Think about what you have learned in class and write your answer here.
1:59
